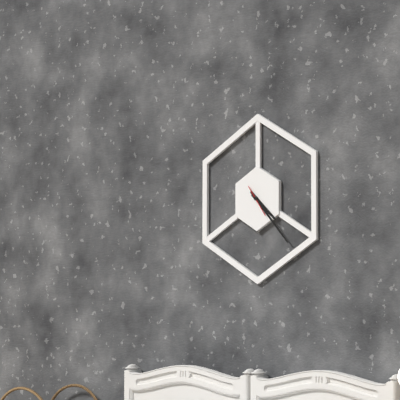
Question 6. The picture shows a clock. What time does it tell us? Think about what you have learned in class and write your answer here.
4:23
